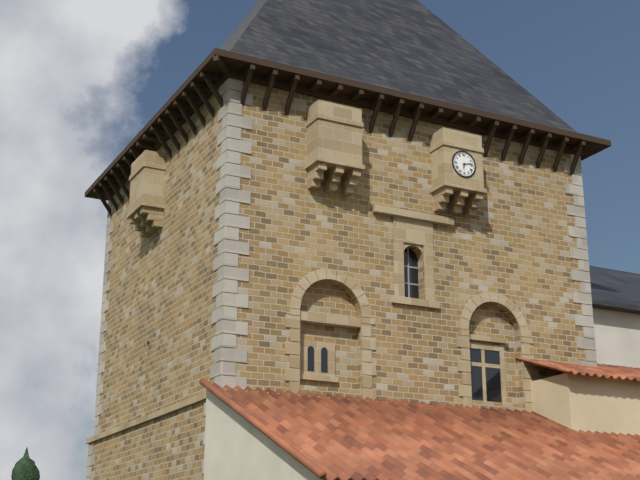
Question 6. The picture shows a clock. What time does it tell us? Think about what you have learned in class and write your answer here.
6:13
